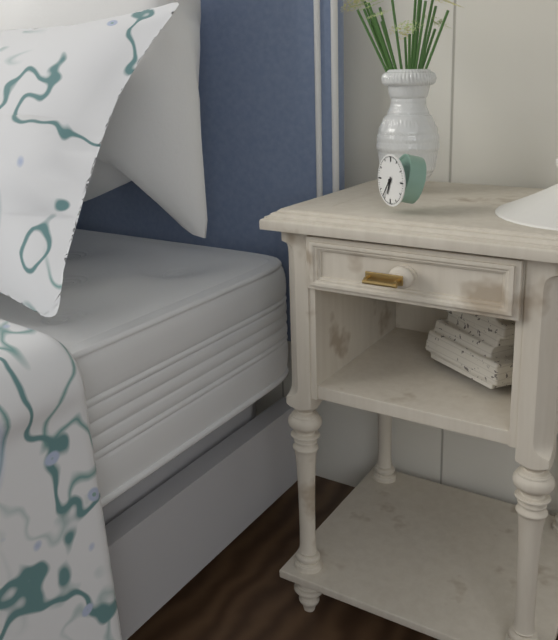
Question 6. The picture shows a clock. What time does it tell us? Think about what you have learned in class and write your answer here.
6:36
